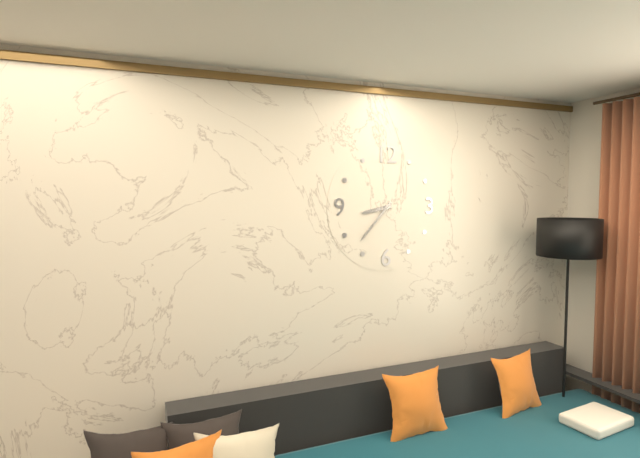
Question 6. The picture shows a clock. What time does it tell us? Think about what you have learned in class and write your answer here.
8:37
